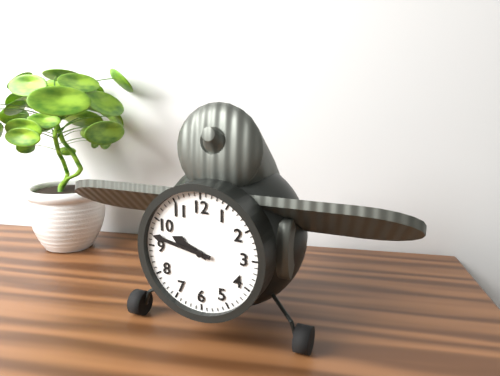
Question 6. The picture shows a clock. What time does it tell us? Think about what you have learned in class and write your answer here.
9:47
